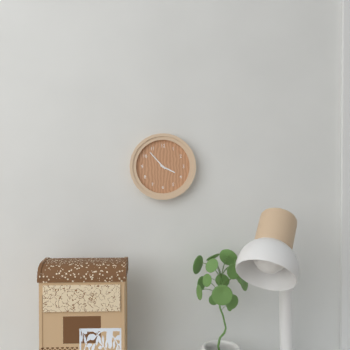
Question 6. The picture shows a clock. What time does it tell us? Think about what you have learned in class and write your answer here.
3:53
